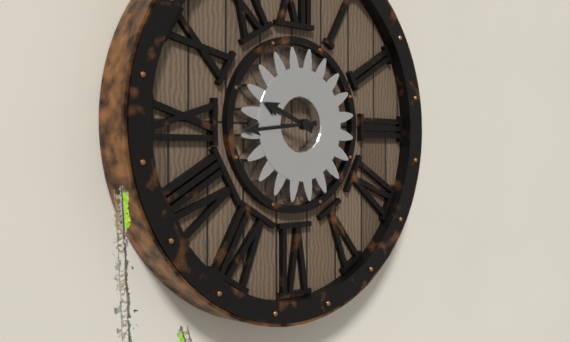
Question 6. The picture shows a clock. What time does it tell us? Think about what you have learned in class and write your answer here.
9:44
